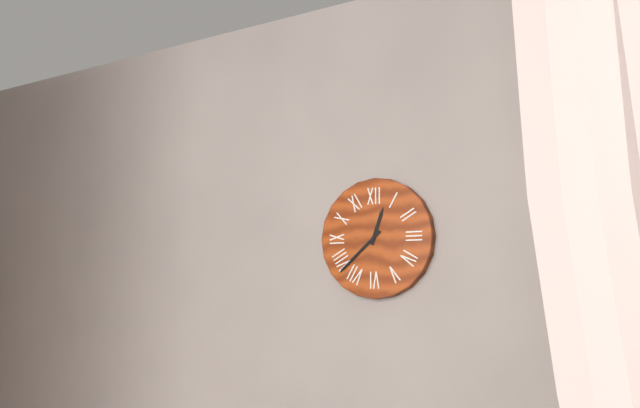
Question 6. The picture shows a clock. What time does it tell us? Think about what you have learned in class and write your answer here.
12:38
